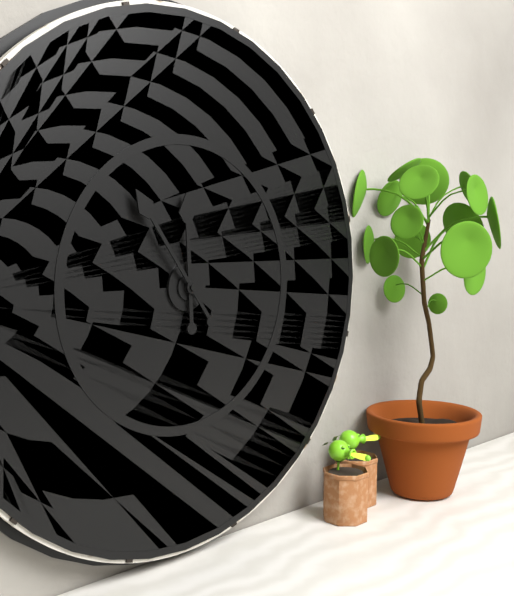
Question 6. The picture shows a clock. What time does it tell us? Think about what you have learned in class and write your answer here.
11:54
